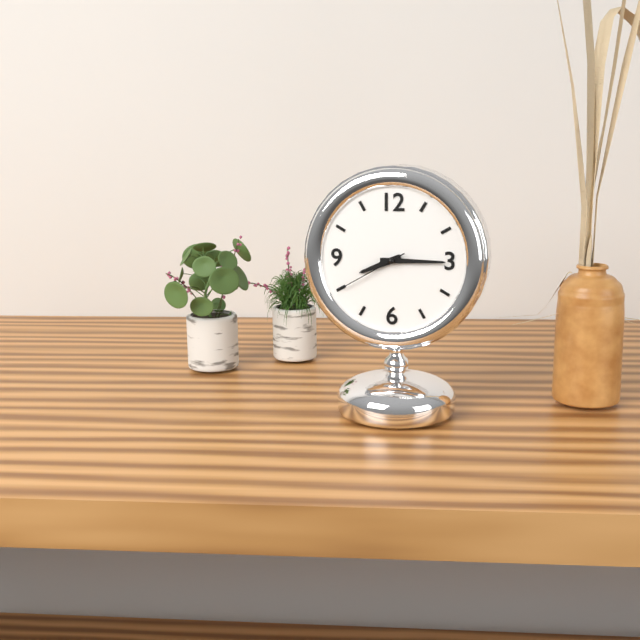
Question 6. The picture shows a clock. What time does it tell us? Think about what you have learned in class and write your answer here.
8:15:40
